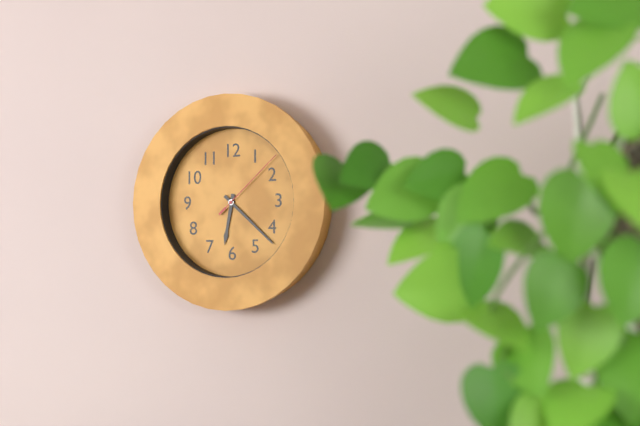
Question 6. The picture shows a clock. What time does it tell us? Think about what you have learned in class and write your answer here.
6:22:08
